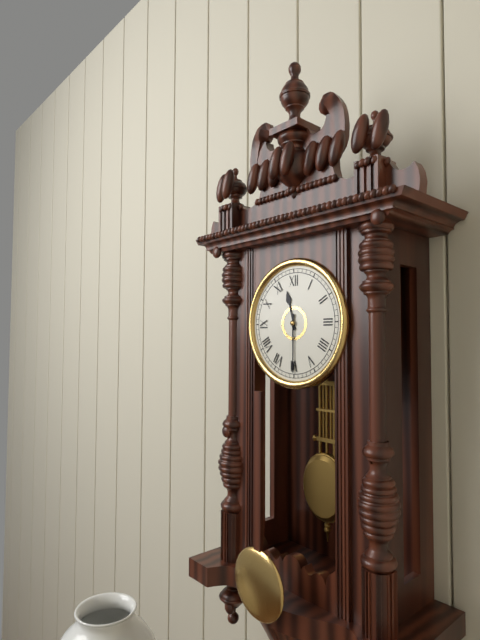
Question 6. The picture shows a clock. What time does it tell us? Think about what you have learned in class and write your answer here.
11:30
